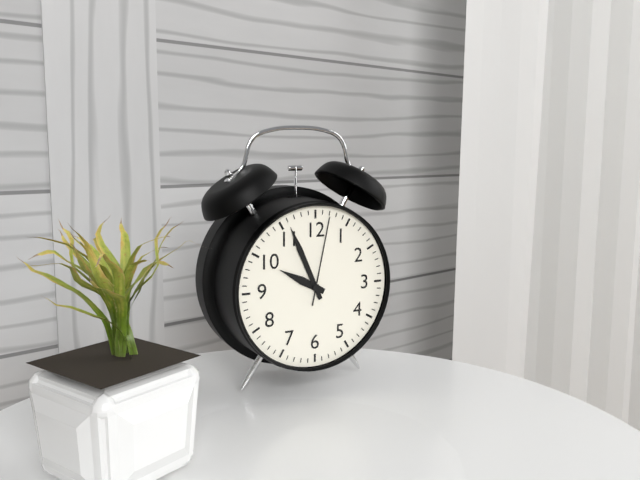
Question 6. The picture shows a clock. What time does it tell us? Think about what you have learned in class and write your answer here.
9:56:02
